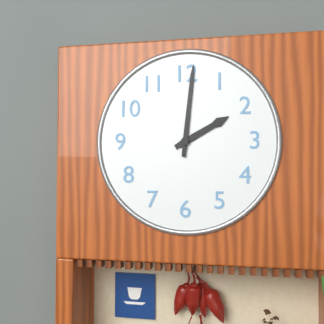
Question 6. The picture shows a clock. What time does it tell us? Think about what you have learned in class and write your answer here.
2:01
